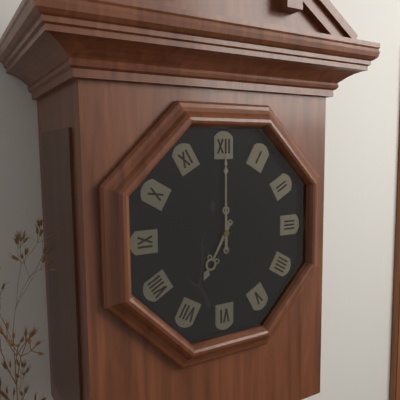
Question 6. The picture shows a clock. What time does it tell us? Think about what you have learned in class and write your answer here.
7:00
